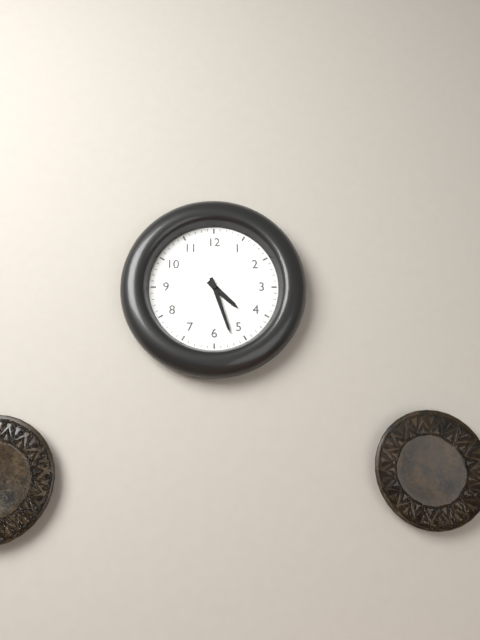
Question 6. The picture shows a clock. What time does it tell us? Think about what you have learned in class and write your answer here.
4:27
